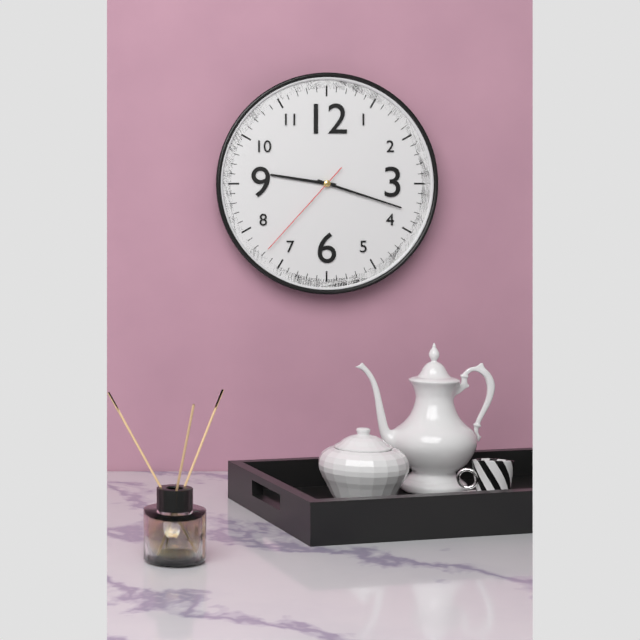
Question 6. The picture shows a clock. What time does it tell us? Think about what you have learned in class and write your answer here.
9:18:37
